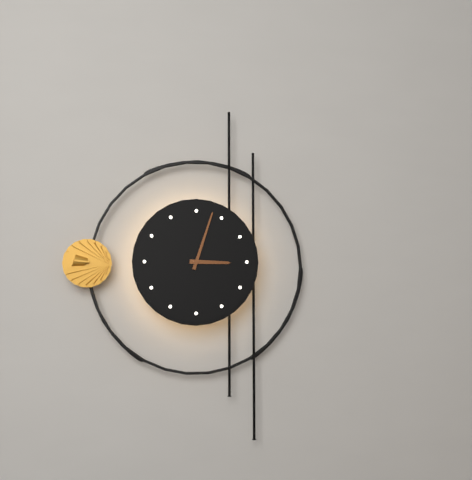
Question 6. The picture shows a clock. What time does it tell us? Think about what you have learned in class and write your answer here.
3:03
